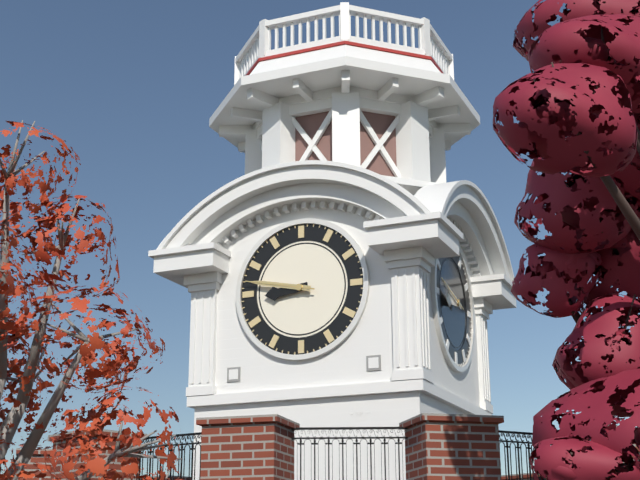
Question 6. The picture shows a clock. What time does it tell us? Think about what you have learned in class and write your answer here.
8:47:47
